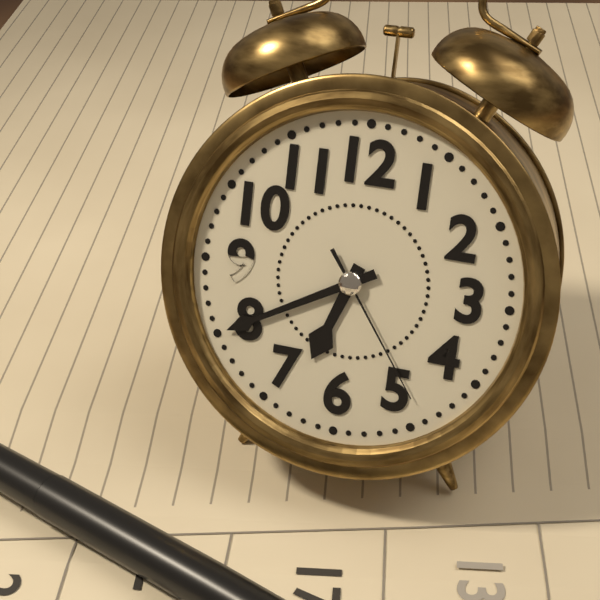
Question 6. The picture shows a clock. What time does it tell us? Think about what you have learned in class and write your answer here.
6:40:24
